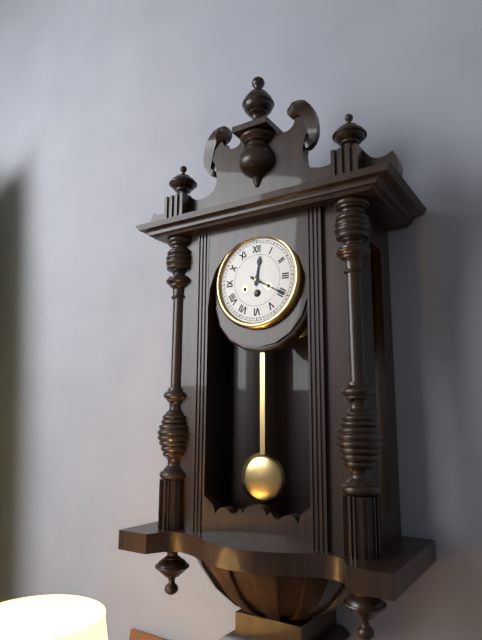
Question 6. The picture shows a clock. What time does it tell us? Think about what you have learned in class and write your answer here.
12:20
